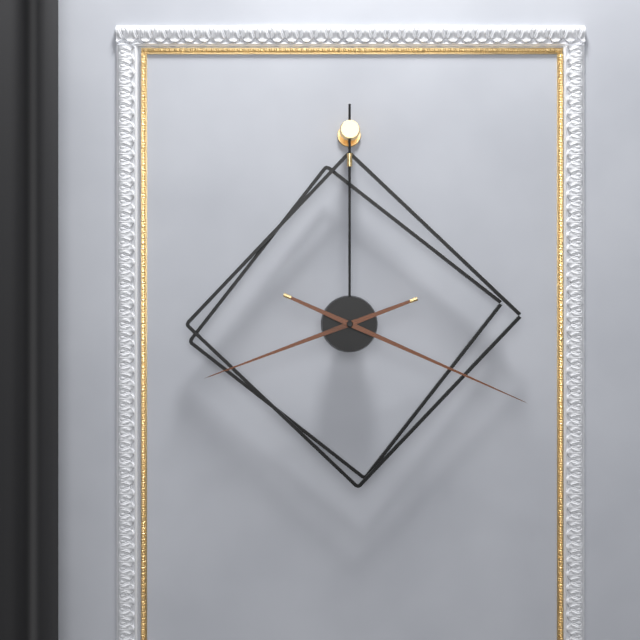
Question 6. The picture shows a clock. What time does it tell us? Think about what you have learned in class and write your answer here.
8:19
